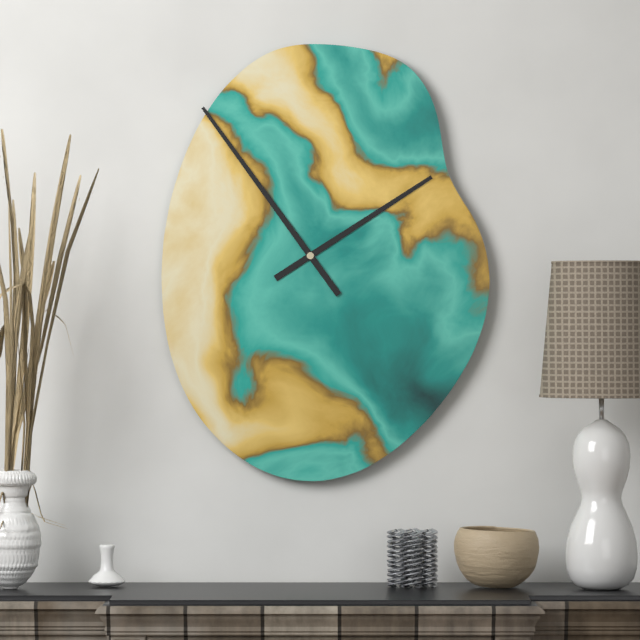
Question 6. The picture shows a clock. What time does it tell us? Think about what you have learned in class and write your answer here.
1:54
